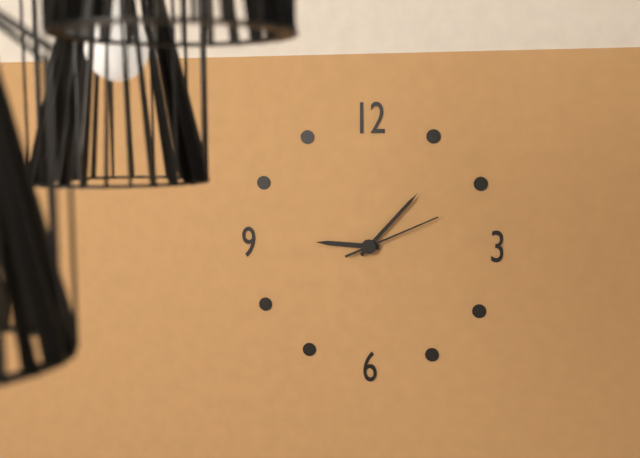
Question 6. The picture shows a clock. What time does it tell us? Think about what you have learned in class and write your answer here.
9:07:11
